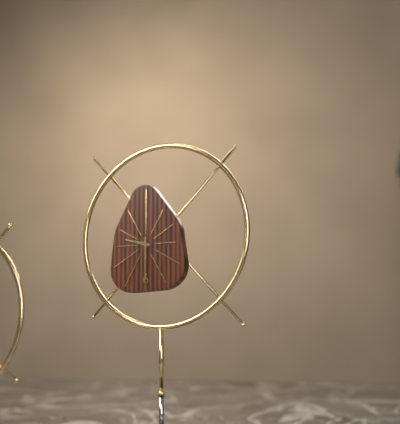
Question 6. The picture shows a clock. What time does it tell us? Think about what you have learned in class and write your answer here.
9:30
